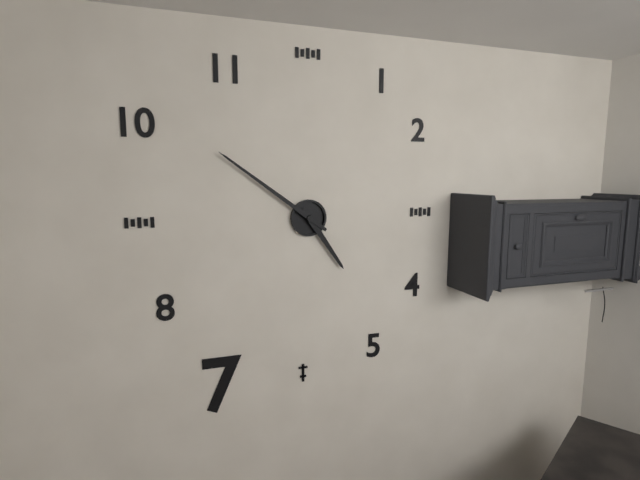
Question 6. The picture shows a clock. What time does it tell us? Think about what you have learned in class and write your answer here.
4:51
